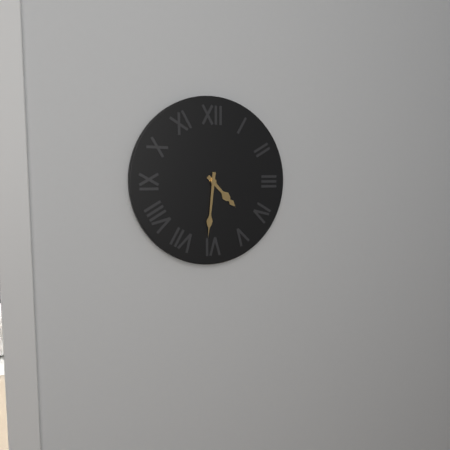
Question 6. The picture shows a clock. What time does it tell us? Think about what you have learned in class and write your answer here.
4:31
